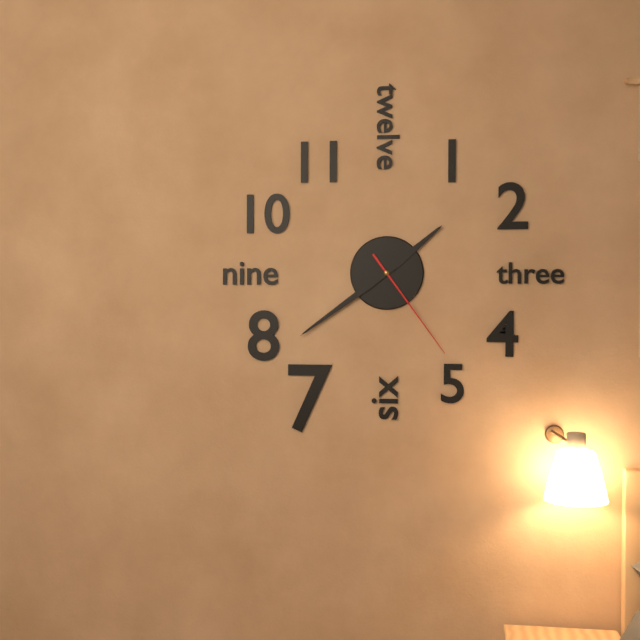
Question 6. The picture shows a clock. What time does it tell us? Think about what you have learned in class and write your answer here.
1:39:24
